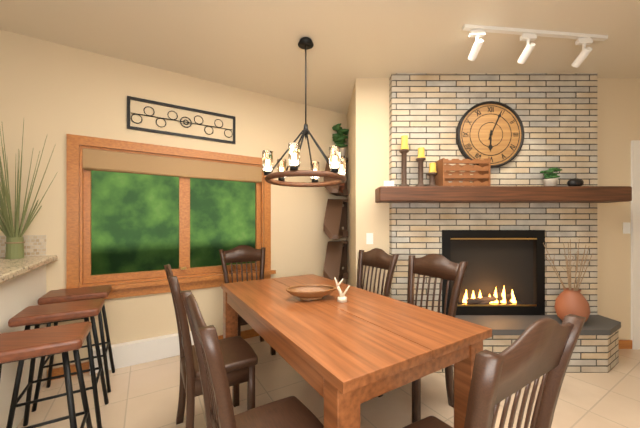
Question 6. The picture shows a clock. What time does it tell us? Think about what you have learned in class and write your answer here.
6:04
